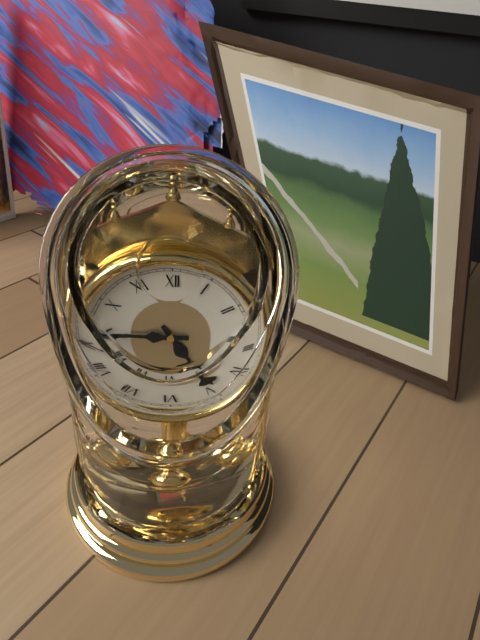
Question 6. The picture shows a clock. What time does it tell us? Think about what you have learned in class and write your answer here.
4:45
